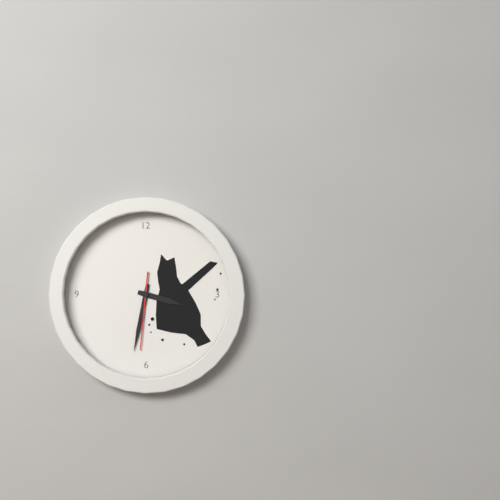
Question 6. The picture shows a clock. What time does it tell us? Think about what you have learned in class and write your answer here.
3:32:31
